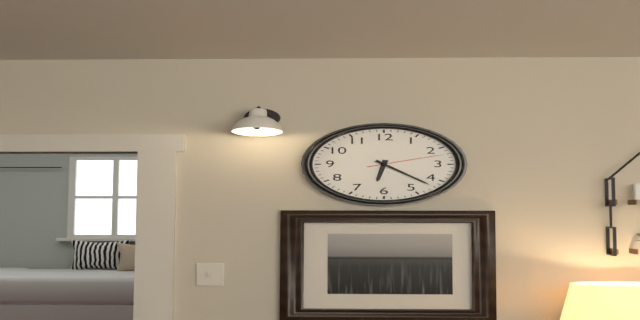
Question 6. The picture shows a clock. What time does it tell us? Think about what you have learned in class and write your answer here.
6:22:12
